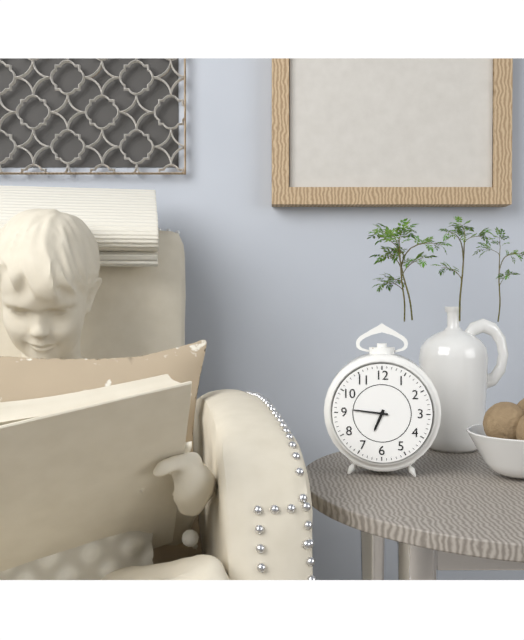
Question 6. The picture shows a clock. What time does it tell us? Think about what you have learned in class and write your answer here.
6:46
